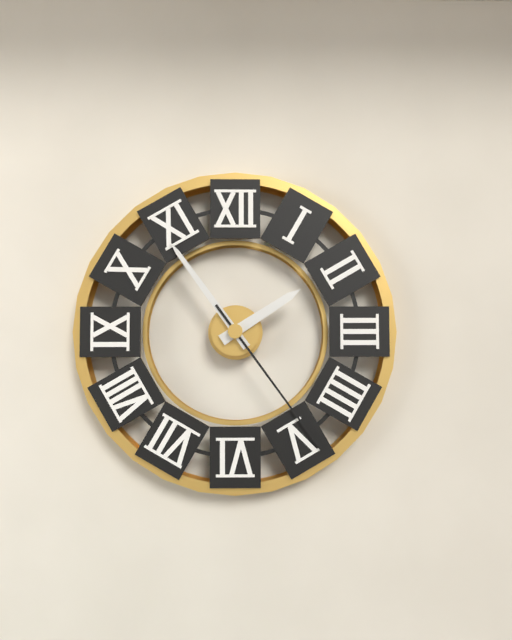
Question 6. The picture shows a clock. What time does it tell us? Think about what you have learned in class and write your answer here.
1:54:24
